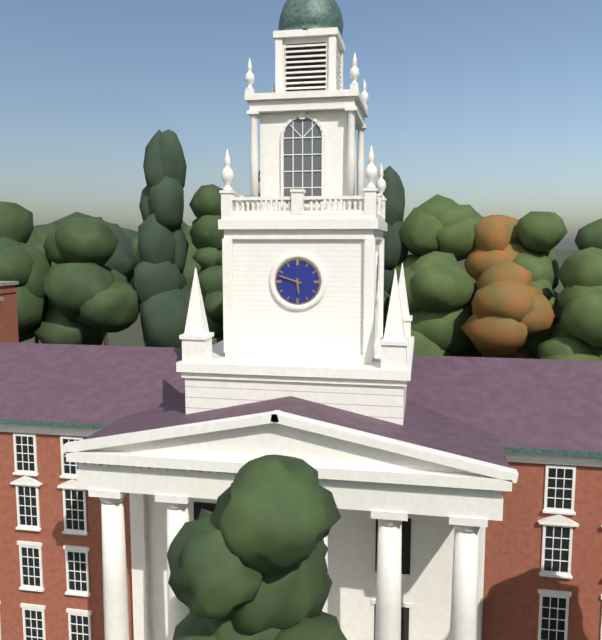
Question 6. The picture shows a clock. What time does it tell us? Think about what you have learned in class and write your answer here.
5:48
